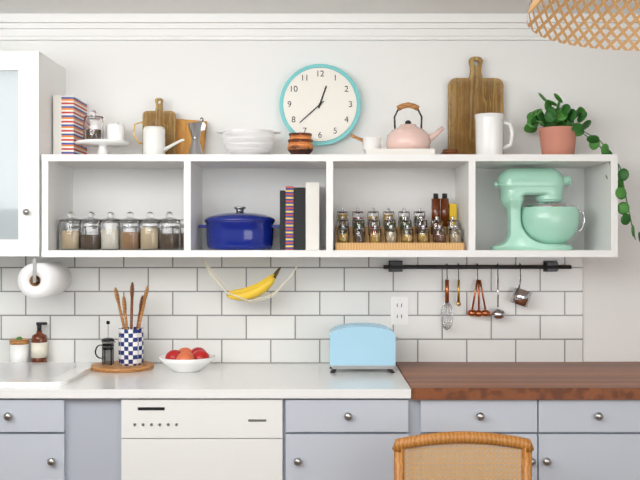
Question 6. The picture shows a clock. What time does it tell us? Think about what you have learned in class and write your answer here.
12:38
